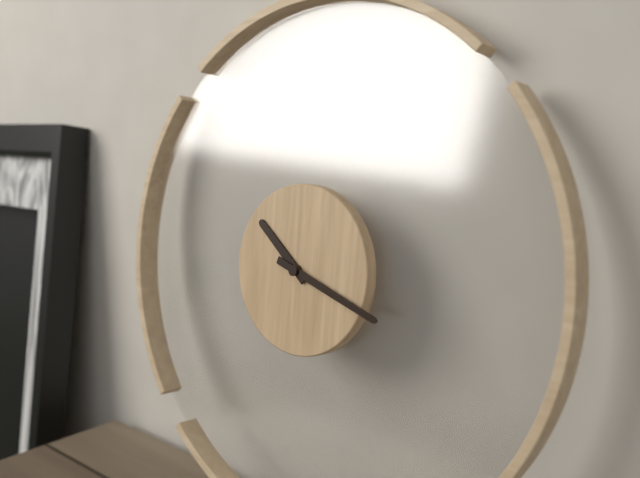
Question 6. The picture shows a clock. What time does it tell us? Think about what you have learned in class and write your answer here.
10:18
